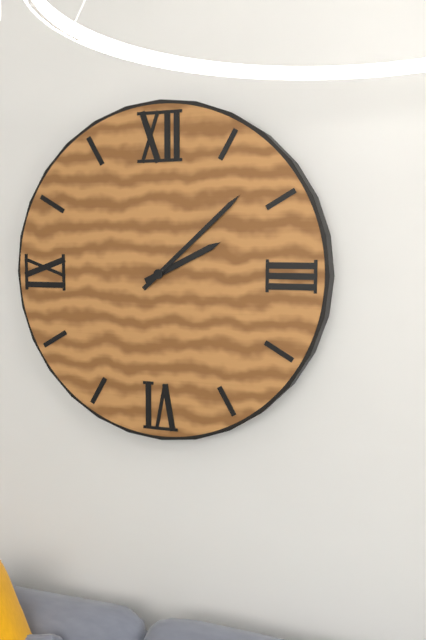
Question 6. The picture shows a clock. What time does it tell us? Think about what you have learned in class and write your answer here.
2:08
